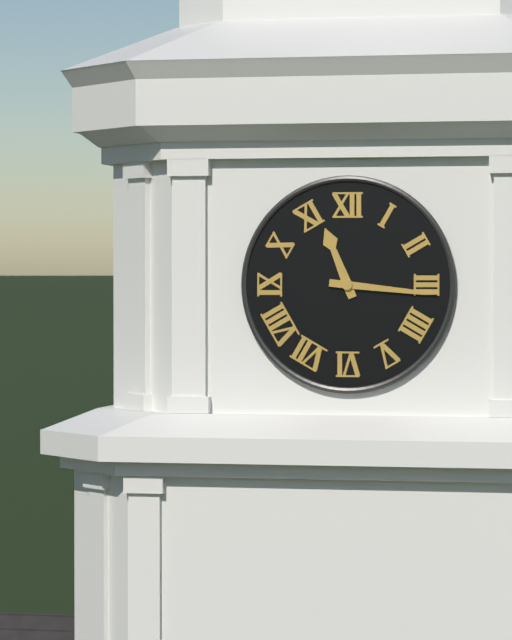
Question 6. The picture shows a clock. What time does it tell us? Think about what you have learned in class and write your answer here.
11:16
